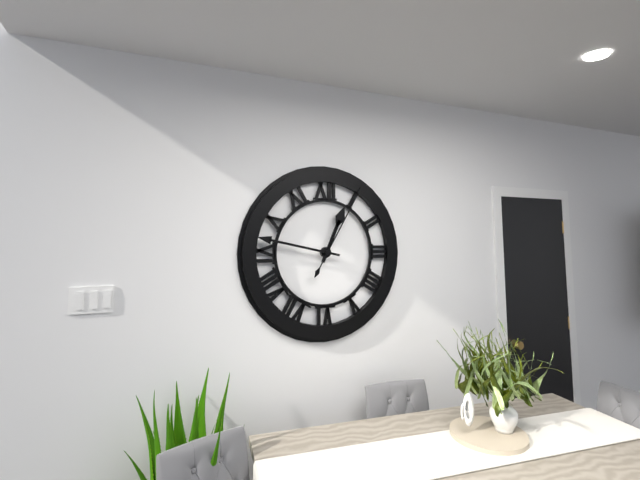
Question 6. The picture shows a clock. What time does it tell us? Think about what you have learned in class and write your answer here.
12:47:05
